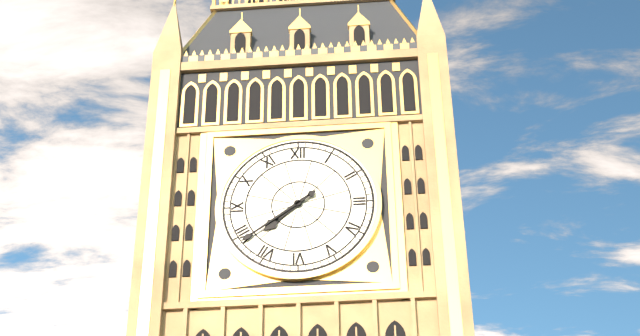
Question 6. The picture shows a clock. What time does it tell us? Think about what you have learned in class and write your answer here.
7:39
